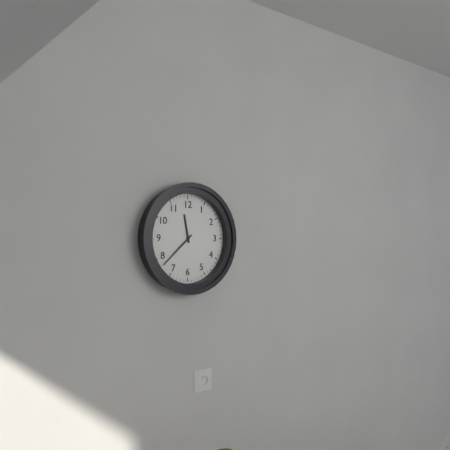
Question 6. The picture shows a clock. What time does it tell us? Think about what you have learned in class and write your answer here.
11:38
